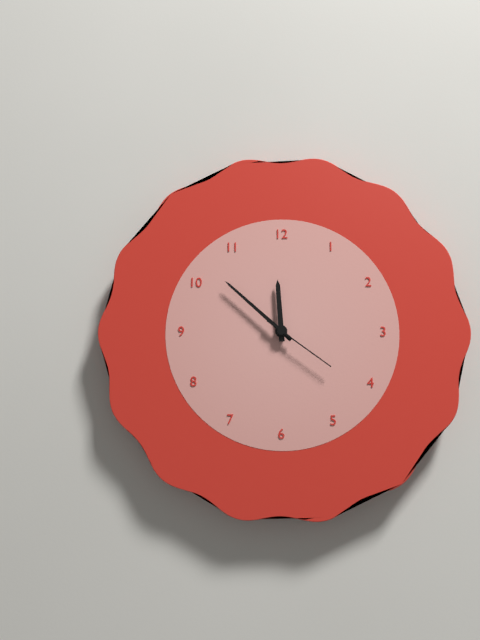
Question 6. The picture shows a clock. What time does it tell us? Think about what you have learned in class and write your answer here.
11:52:21
